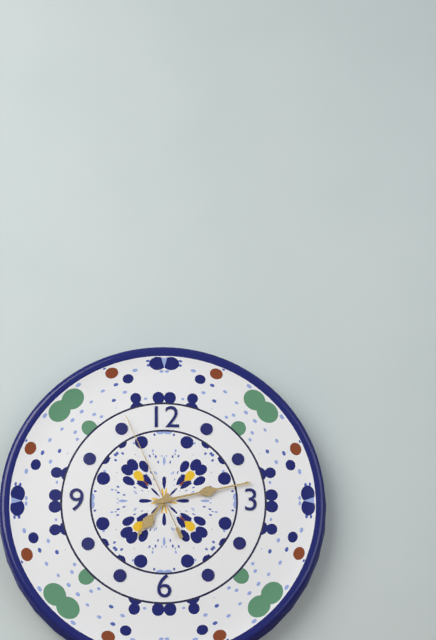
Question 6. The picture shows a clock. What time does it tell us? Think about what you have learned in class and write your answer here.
7:13:56
